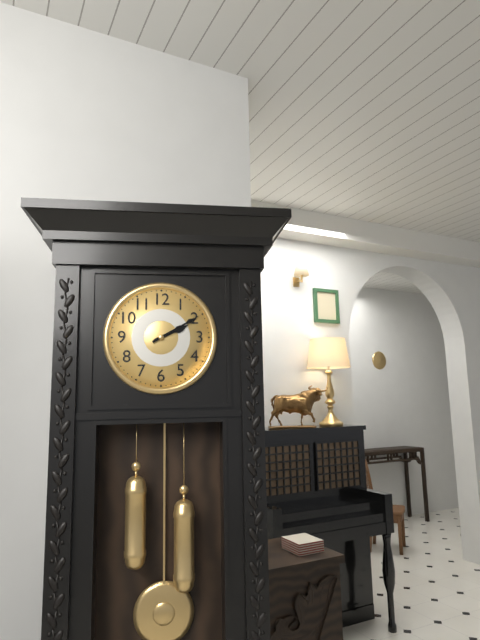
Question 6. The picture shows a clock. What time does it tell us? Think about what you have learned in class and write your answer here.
2:10
